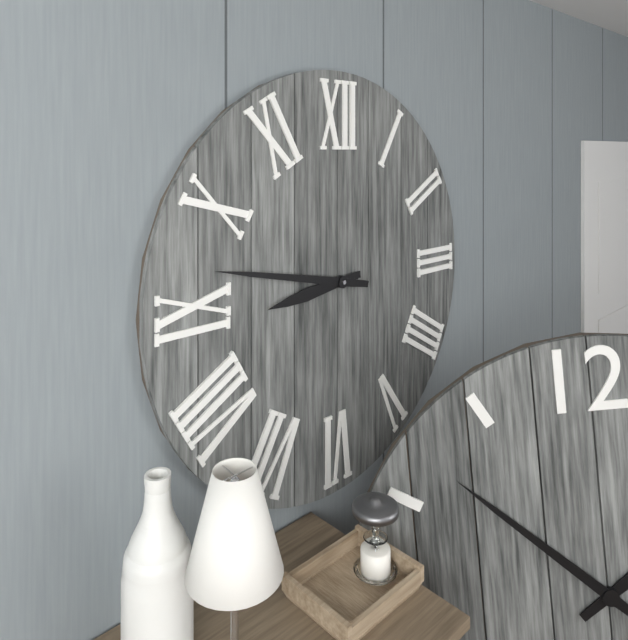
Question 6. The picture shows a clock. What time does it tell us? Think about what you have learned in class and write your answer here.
8:47
